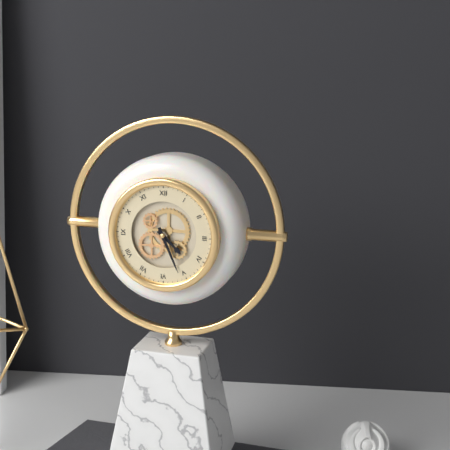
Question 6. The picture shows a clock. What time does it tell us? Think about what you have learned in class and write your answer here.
4:26
